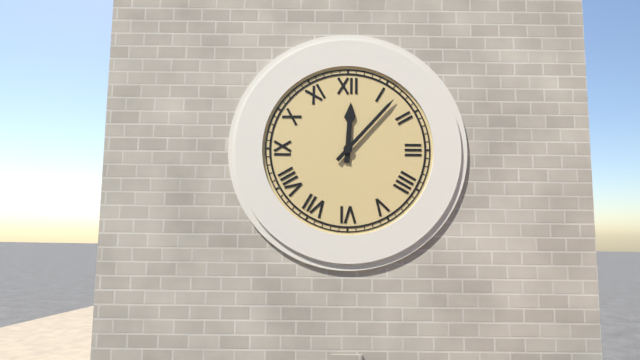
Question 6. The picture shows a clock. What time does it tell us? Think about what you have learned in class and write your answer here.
12:07
